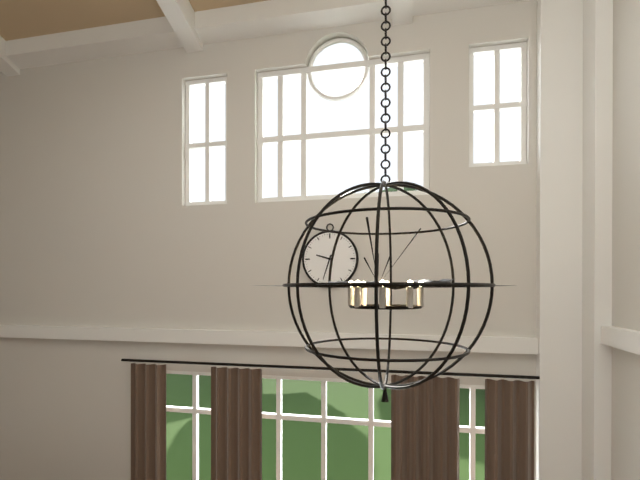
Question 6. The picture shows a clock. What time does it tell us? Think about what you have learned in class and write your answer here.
9:33
